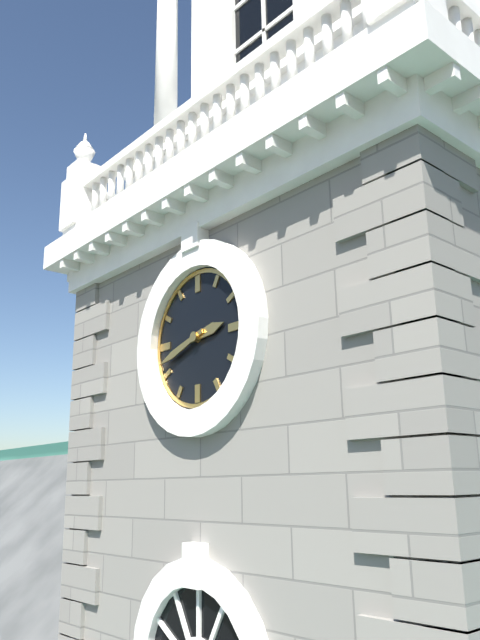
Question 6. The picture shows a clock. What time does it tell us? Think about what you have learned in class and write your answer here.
2:42
